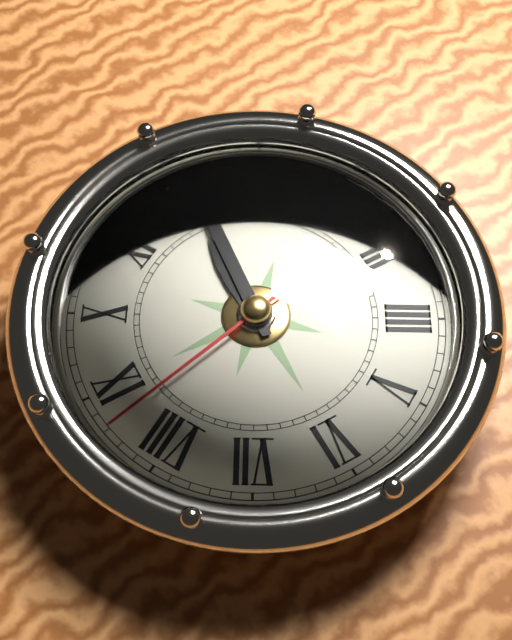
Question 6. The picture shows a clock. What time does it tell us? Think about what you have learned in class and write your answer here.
12:01:43
